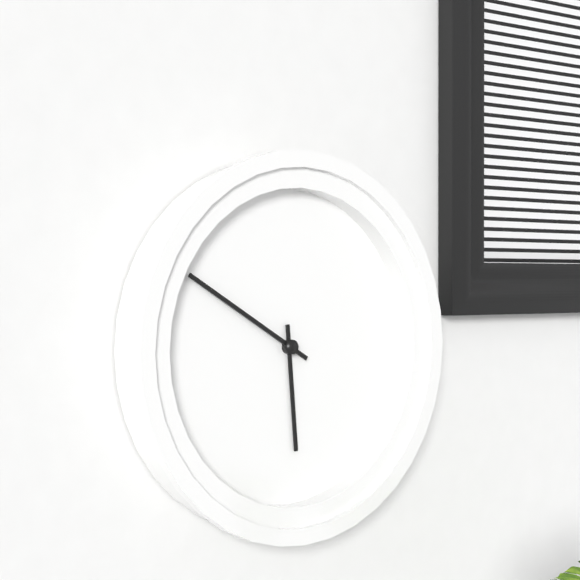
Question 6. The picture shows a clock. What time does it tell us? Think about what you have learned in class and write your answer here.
5:50
